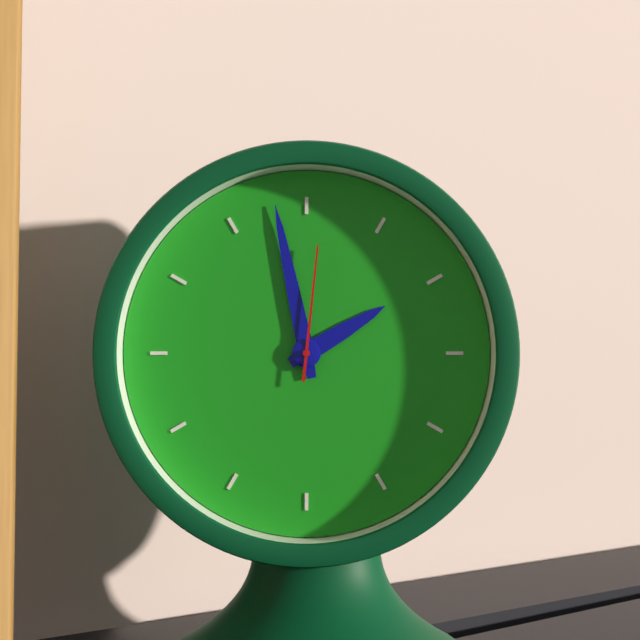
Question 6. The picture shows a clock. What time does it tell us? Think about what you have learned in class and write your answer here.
1:58:01
